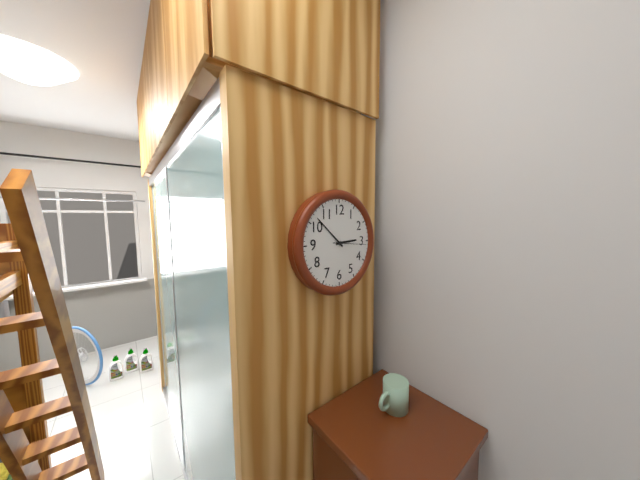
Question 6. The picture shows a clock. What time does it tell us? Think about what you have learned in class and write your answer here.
2:52
